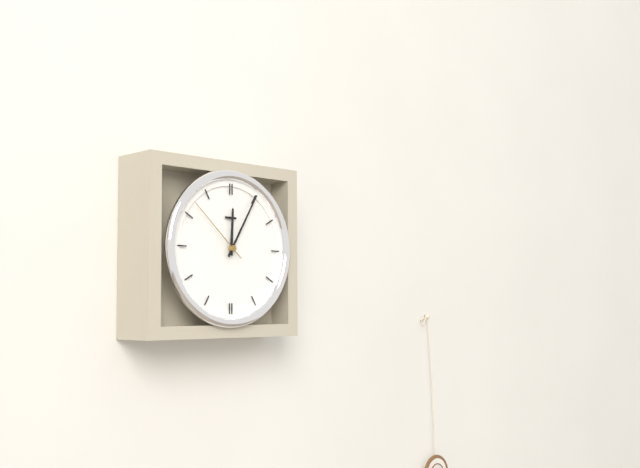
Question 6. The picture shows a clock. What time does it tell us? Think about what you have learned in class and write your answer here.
12:05:52
